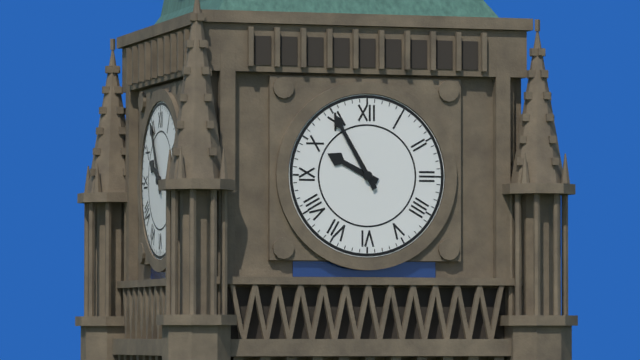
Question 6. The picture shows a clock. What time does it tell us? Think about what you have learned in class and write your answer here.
9:55
